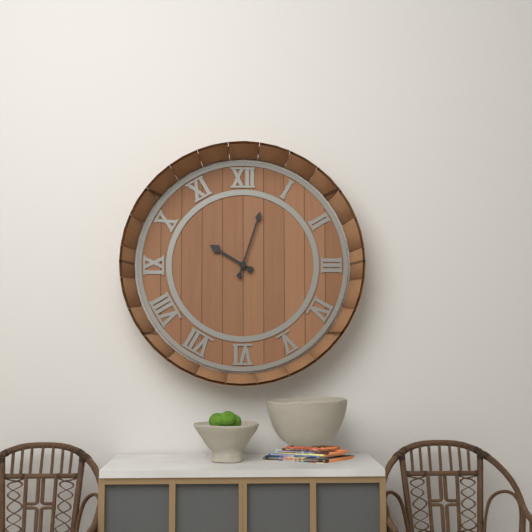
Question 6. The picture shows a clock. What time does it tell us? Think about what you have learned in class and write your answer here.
10:03
